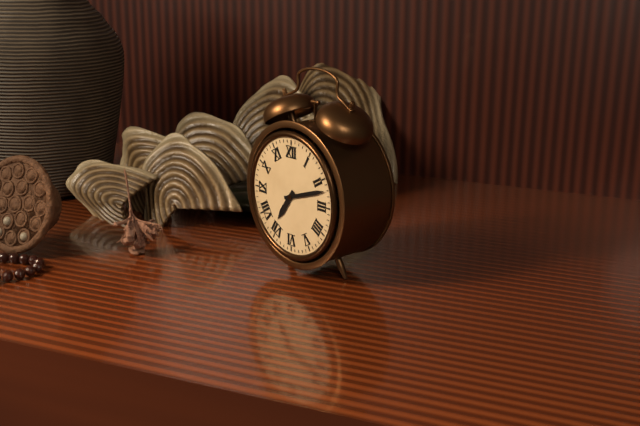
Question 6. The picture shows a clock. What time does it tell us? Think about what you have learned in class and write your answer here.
7:12
